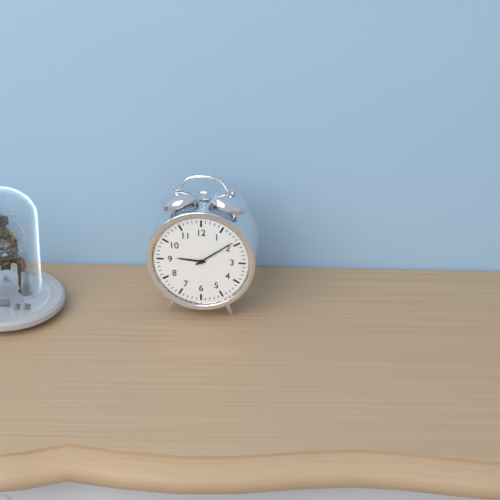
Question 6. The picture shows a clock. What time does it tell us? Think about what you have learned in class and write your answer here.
9:09
